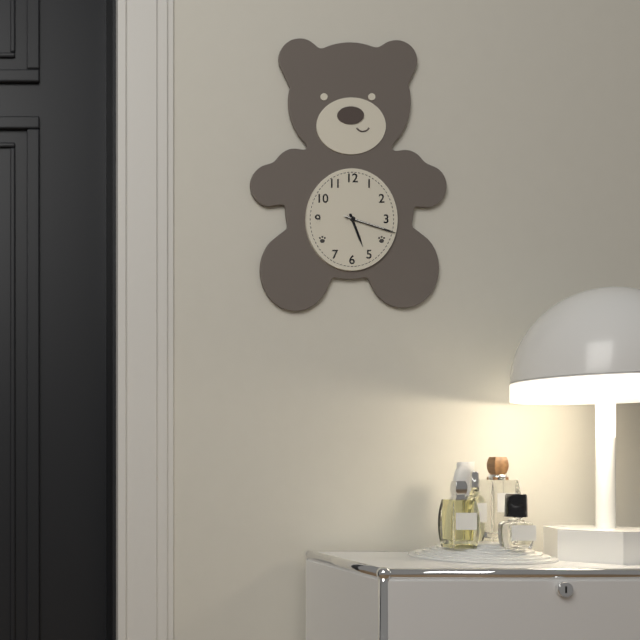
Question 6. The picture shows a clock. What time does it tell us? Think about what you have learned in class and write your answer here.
5:18
